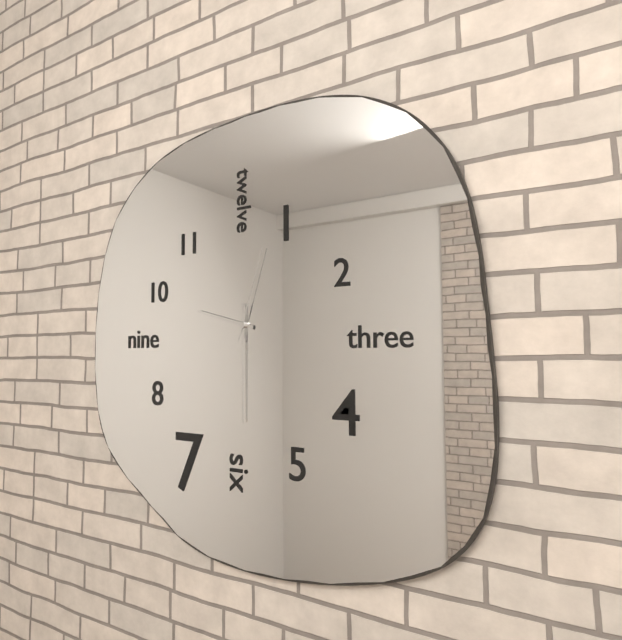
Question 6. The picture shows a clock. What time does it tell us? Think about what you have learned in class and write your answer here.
9:30:03
